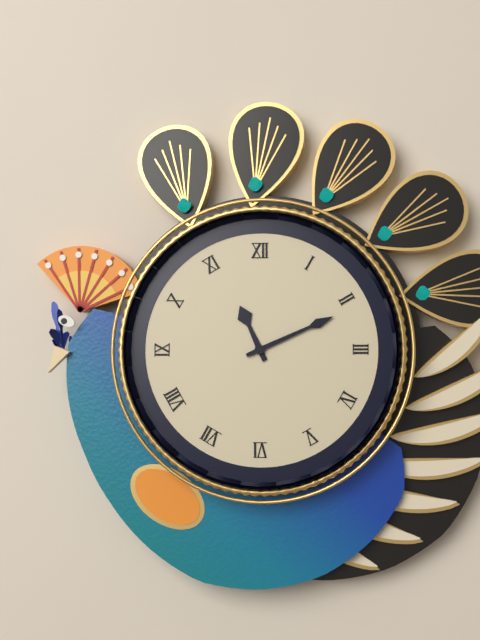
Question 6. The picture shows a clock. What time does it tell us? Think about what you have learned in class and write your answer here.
11:11
